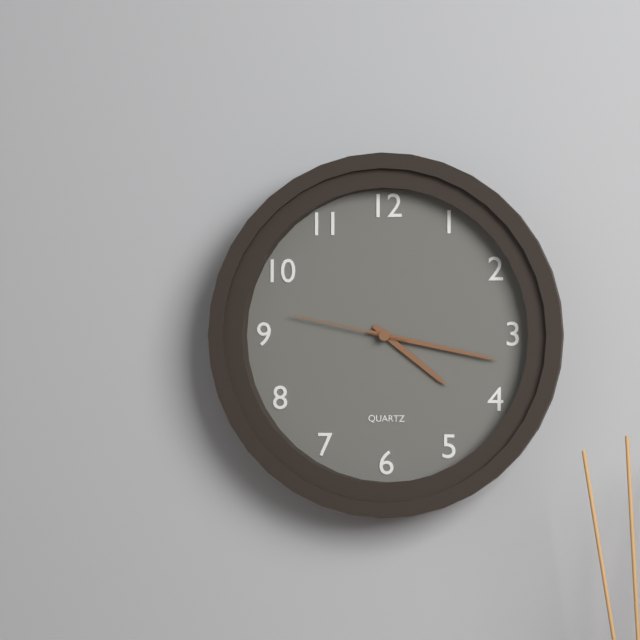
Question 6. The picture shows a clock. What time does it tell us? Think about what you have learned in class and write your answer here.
4:17:47
